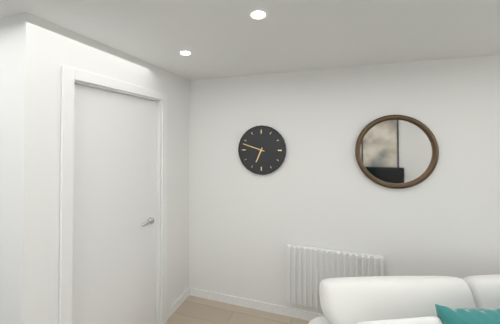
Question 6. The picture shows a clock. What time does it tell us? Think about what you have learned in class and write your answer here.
6:48
